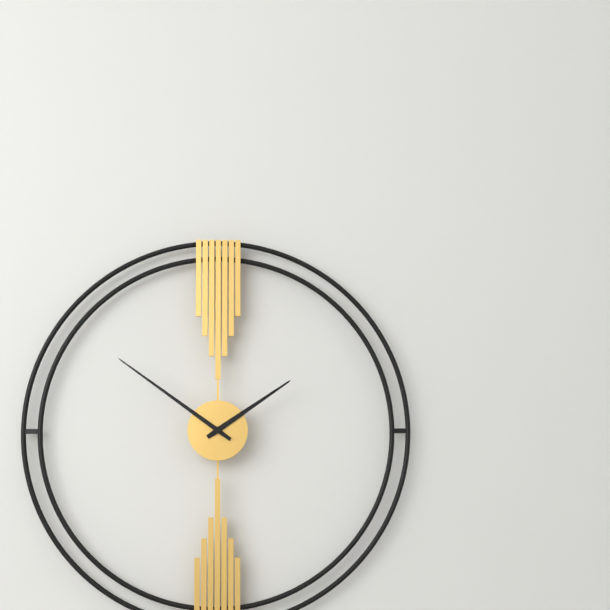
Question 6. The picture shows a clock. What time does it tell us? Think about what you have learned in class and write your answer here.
1:51
